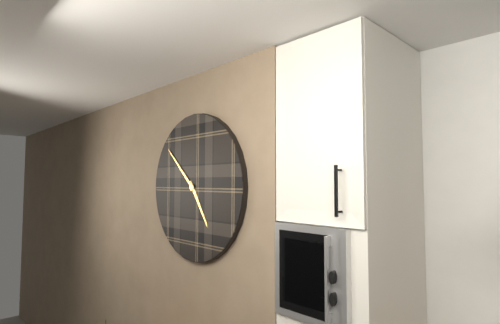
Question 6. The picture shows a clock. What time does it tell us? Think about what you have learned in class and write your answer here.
4:52
